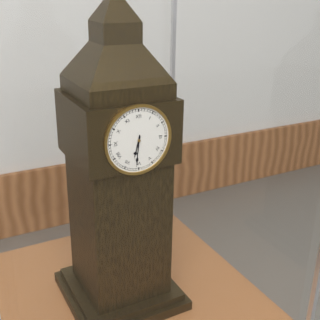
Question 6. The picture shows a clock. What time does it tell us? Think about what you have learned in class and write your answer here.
6:31
